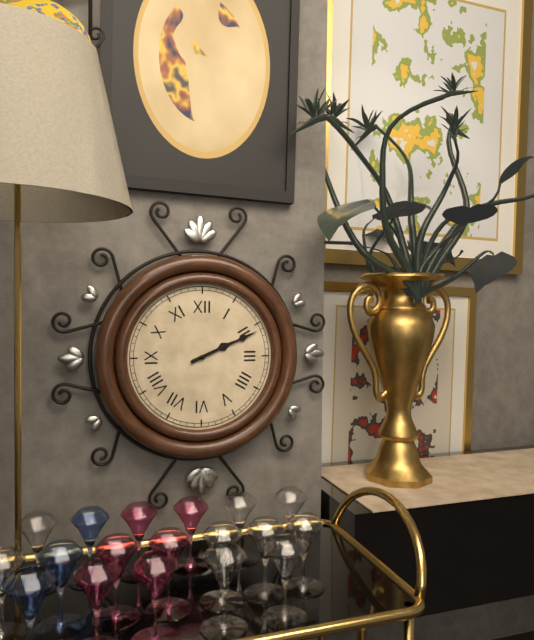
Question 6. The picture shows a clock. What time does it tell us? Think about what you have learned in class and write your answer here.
2:11
